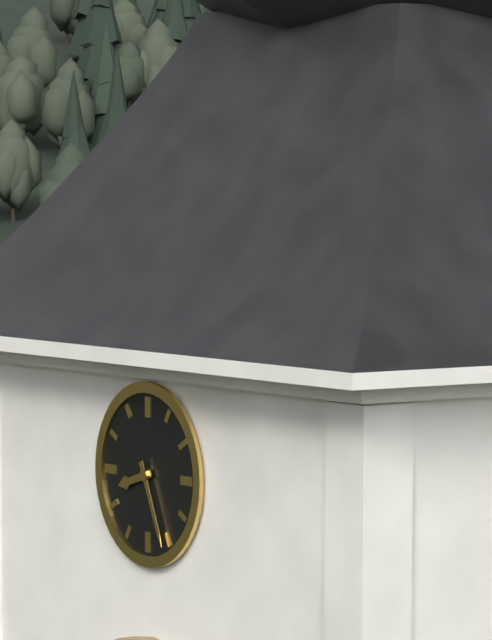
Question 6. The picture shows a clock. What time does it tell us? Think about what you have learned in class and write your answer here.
8:26
